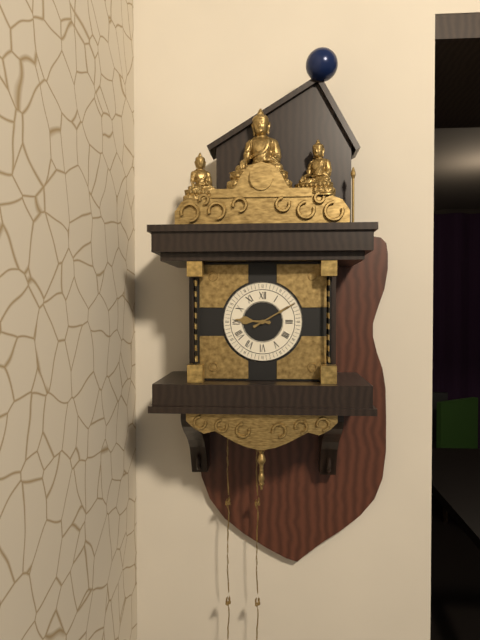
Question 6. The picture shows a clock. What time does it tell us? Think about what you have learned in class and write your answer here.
9:10
